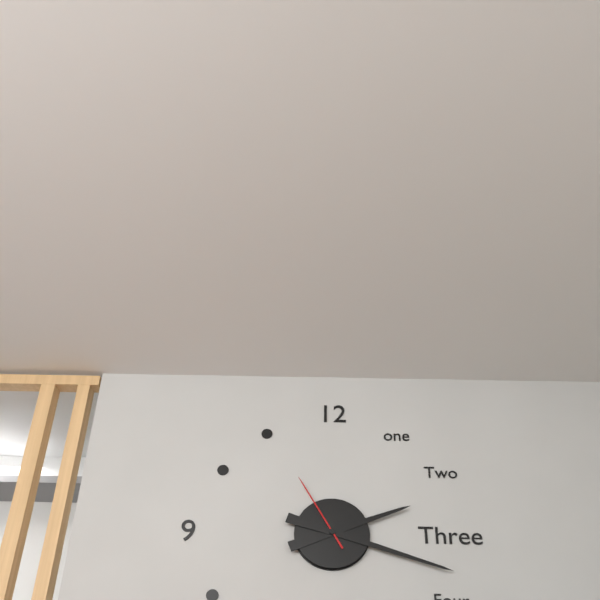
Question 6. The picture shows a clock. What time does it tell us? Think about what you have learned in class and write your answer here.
2:18:55
